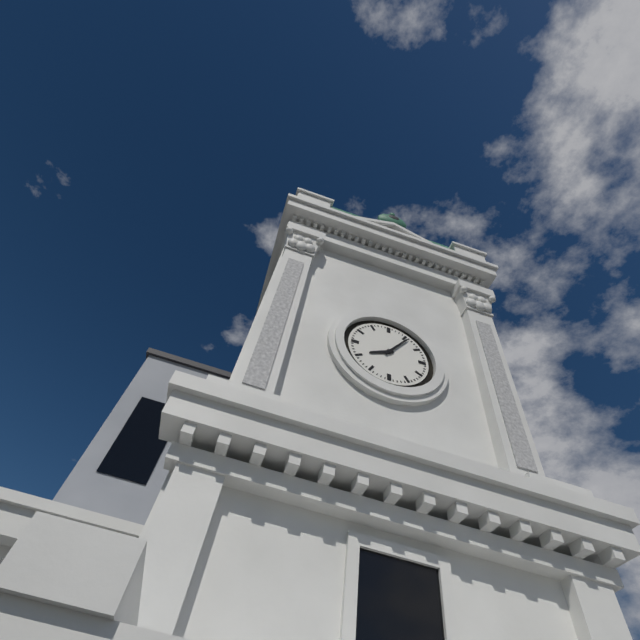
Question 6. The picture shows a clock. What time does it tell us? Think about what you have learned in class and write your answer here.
8:06
